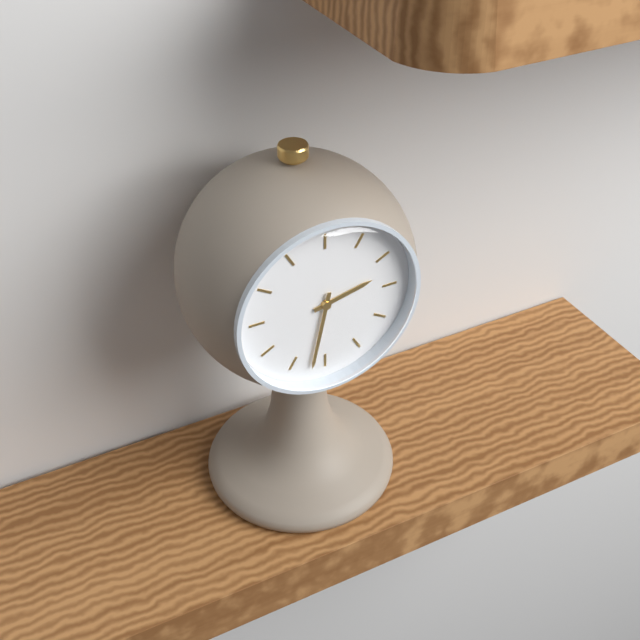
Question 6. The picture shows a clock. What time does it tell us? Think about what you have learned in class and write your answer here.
2:32
